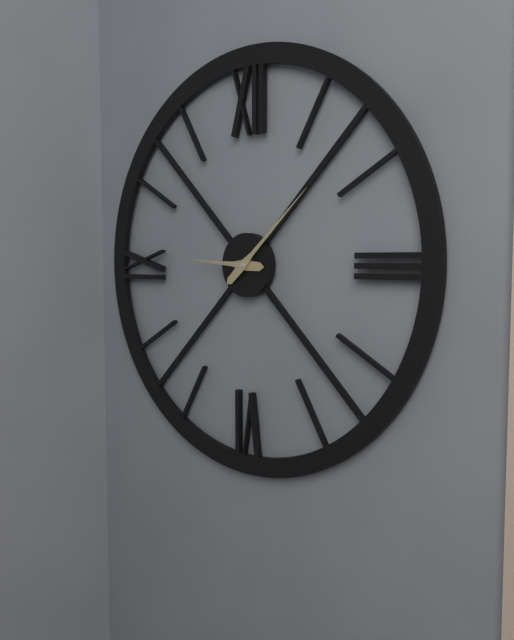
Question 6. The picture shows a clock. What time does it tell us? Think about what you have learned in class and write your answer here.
9:08
